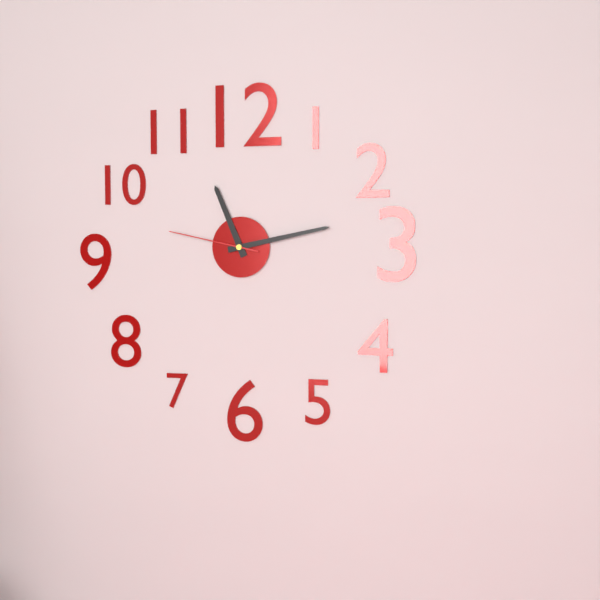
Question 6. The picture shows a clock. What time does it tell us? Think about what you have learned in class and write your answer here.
11:13:47
